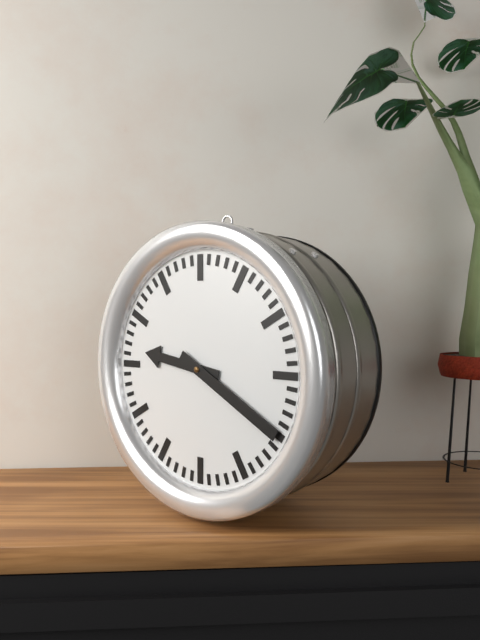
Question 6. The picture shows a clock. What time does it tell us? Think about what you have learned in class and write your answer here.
9:20
